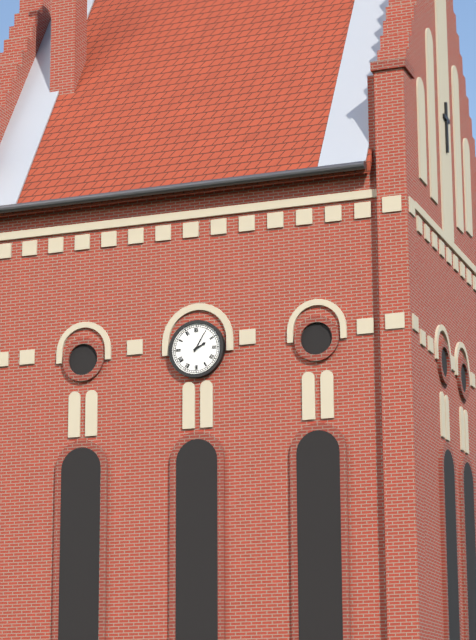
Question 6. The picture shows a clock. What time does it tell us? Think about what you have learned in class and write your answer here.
2:05
